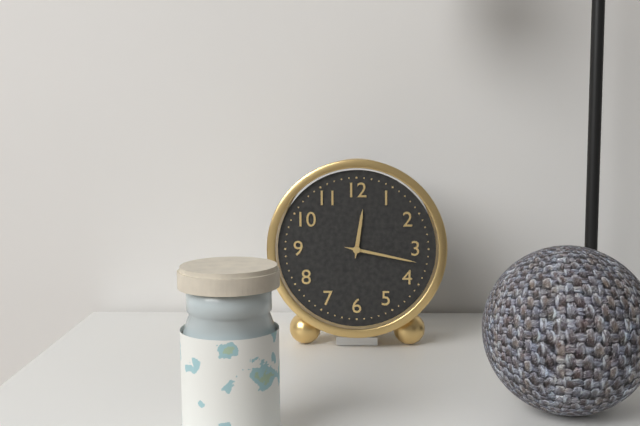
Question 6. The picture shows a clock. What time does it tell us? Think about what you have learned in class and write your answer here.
12:17
